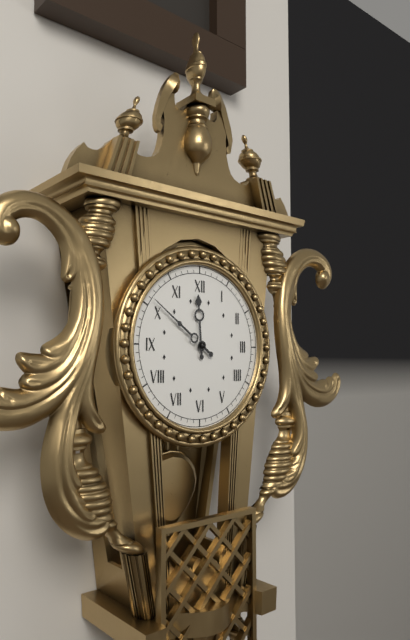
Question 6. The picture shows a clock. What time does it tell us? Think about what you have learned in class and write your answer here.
11:51
